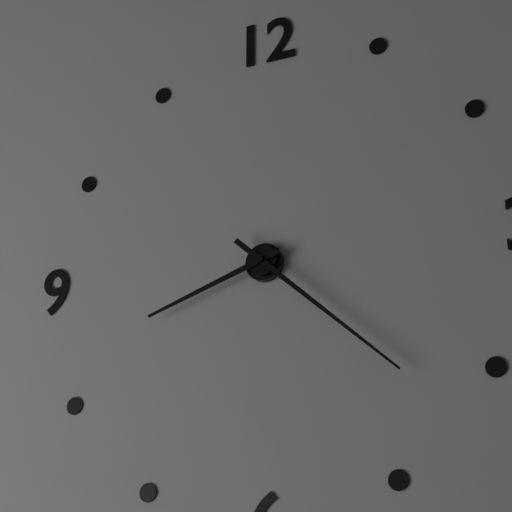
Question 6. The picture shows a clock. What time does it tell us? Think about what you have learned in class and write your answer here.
8:22
